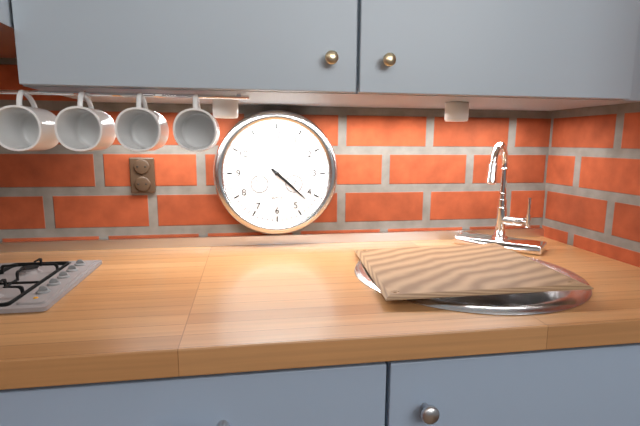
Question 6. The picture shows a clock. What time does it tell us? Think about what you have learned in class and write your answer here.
4:22
